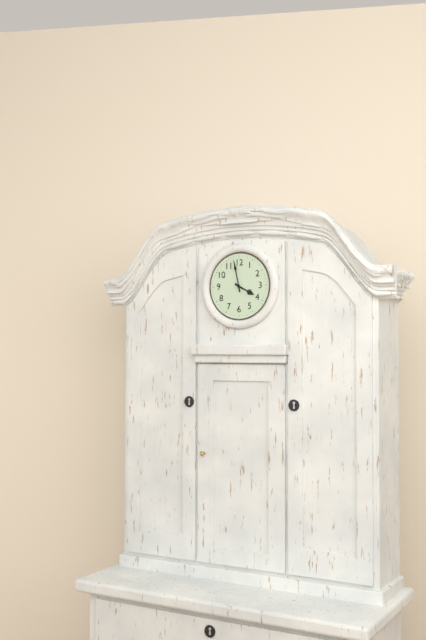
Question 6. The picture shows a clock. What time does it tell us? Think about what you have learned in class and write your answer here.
3:58
